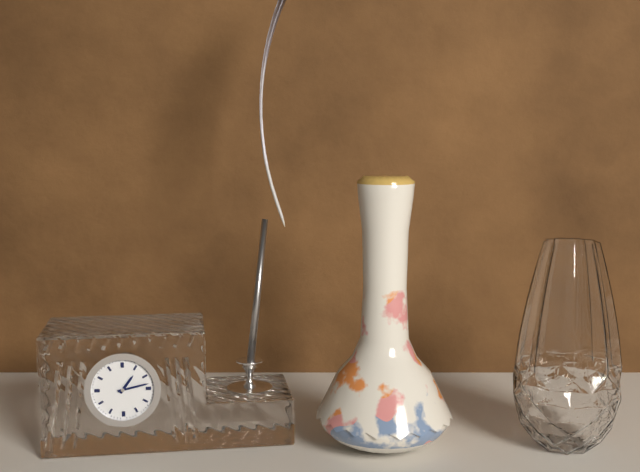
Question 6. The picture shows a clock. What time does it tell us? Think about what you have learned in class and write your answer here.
1:13
